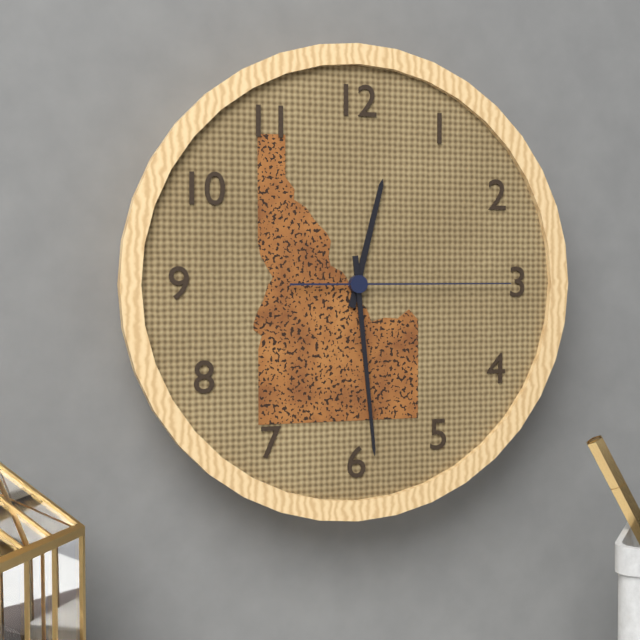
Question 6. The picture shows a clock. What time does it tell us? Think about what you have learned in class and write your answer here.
12:29:15
